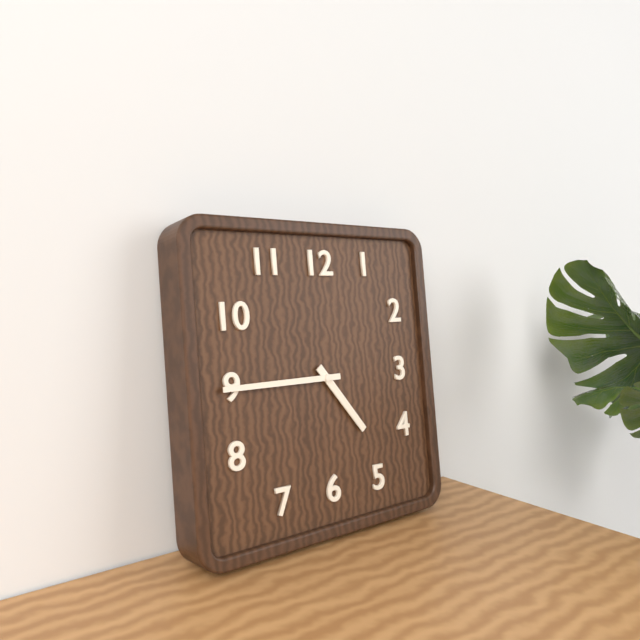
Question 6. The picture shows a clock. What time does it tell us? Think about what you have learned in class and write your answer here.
4:45
